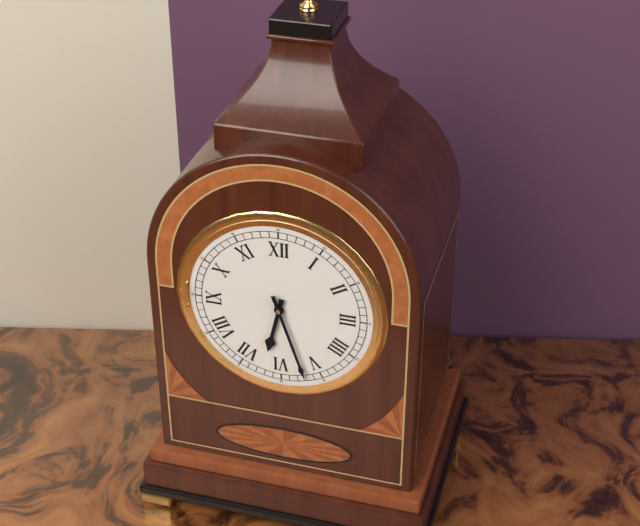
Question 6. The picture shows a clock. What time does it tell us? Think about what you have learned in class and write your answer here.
6:27
